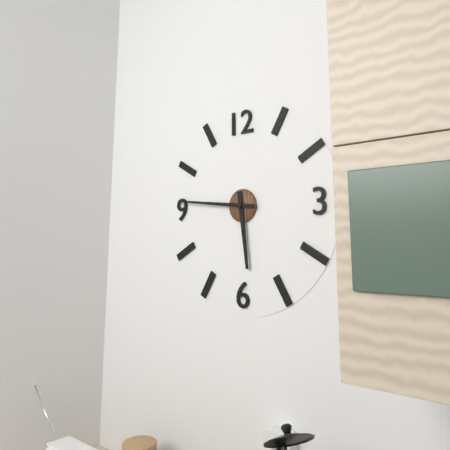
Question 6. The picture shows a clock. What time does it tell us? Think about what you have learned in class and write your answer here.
5:46
